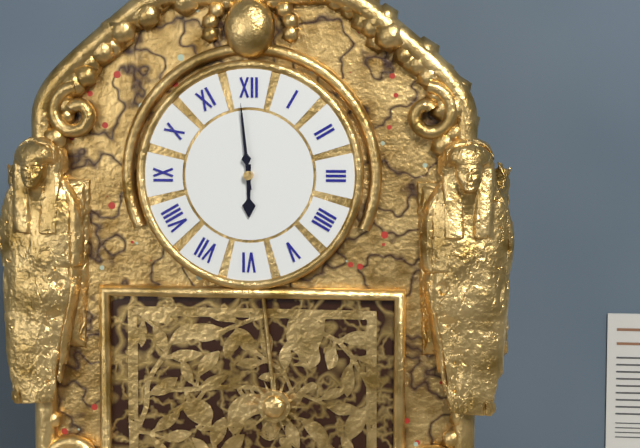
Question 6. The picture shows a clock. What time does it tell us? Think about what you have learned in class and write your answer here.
5:59
